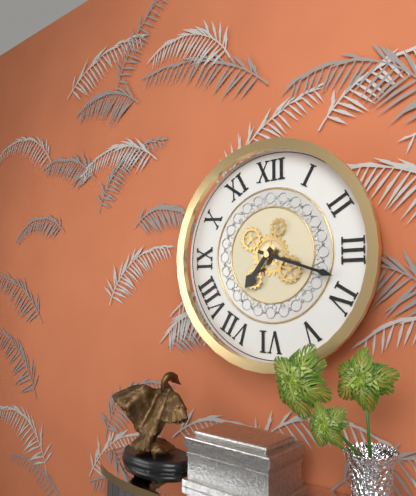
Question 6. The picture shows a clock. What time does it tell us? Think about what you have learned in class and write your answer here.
7:18
